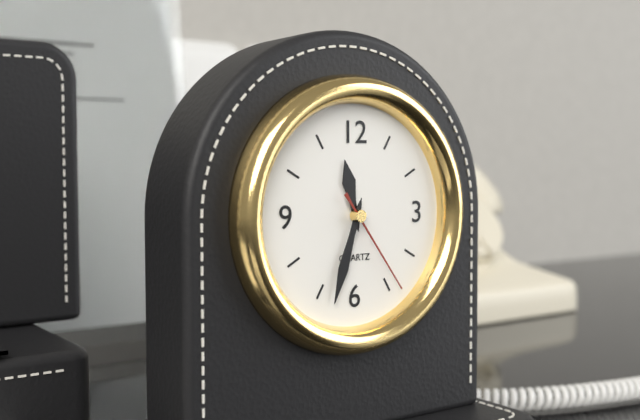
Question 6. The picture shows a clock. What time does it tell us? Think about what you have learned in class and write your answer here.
11:33:24
